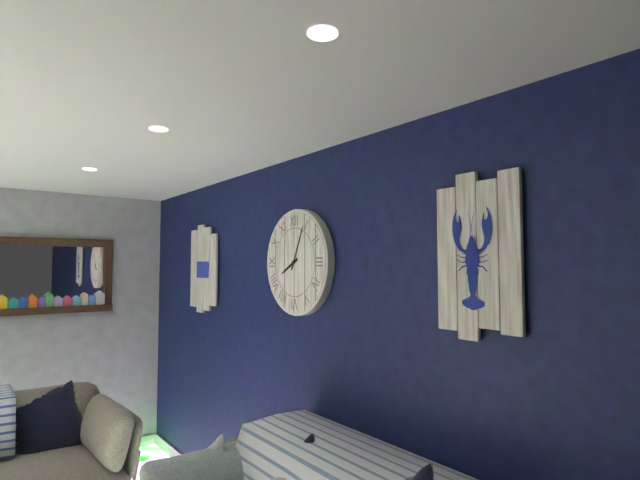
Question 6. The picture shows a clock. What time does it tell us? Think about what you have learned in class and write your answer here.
8:04
